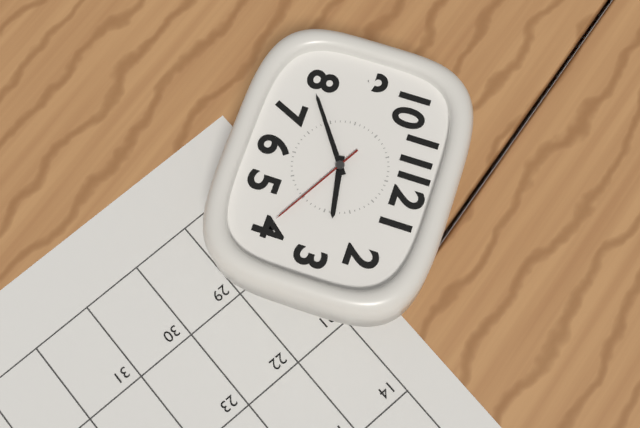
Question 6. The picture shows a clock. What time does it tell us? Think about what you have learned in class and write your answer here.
2:39:20
